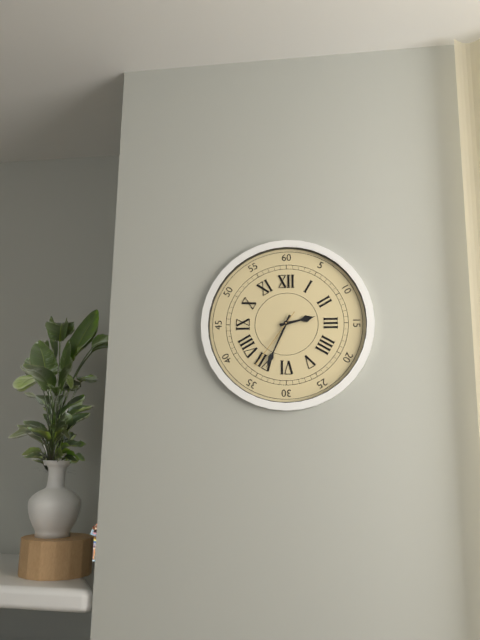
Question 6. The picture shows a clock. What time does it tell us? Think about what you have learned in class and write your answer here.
2:34:36
